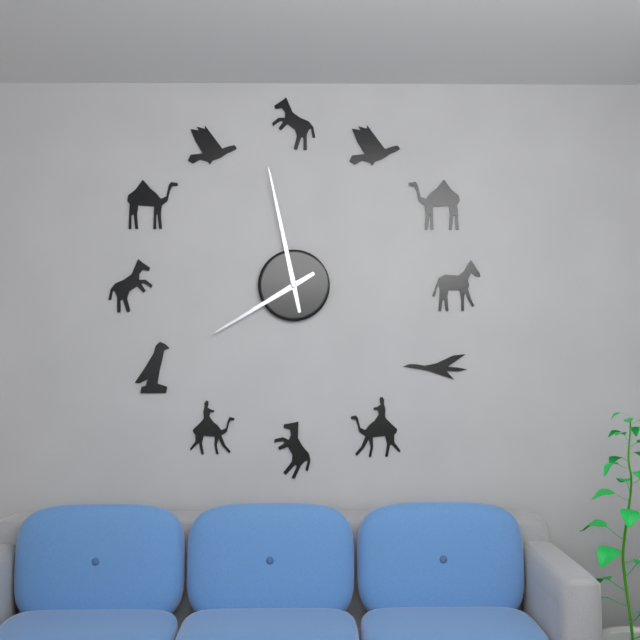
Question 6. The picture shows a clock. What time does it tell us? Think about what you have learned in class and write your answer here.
7:58
